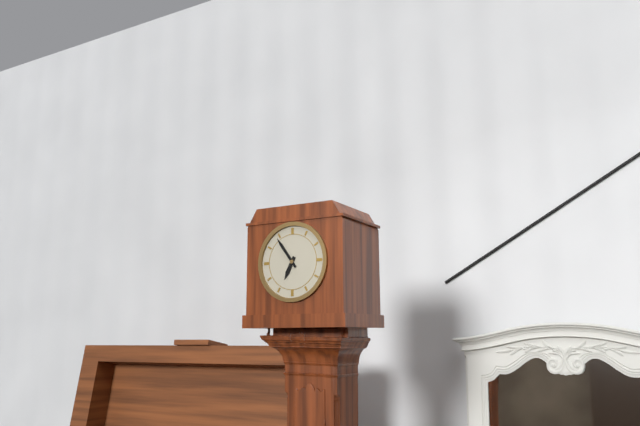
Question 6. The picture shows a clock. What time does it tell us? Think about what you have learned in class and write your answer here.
6:54
